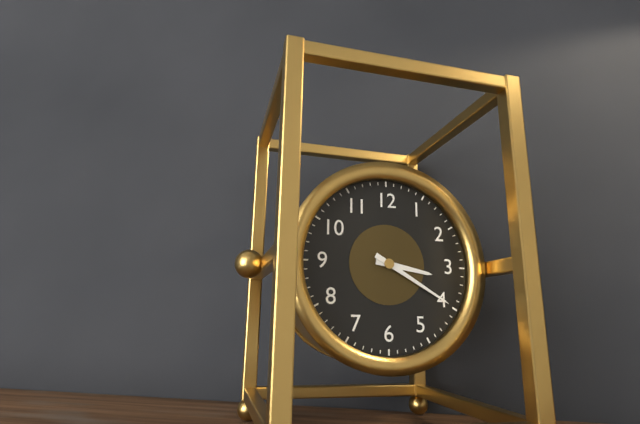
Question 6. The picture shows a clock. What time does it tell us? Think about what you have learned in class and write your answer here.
3:20
